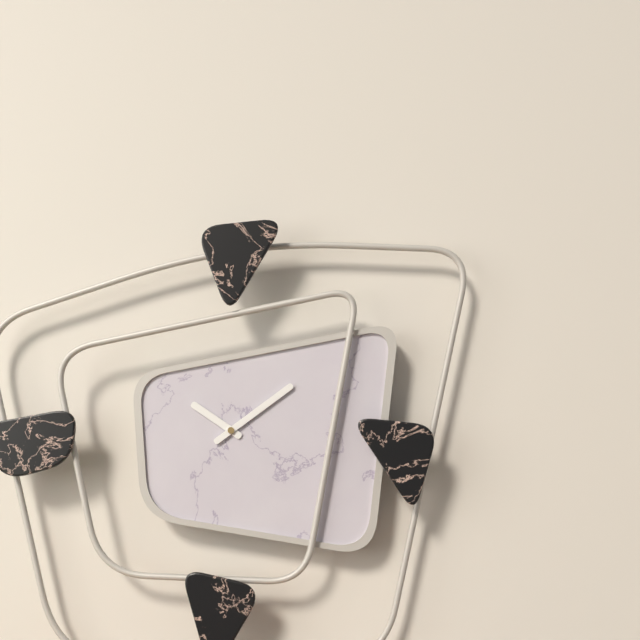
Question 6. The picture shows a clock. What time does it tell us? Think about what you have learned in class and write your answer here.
10:09
